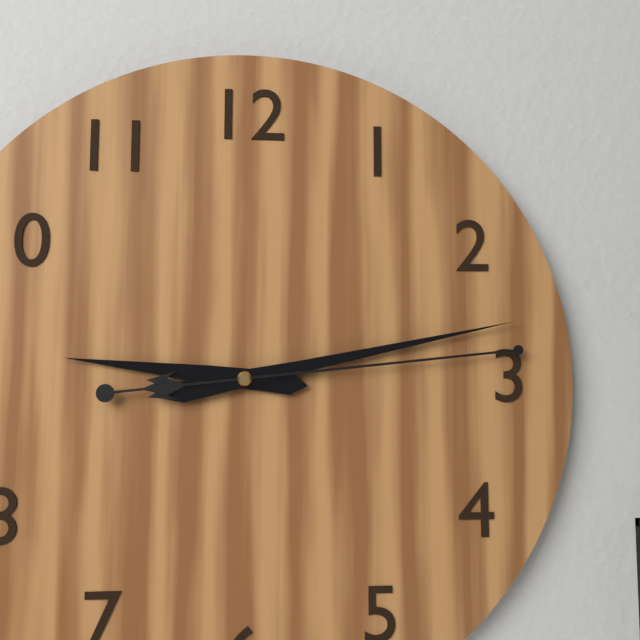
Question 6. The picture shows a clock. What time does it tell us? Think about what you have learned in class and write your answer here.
9:13:14
